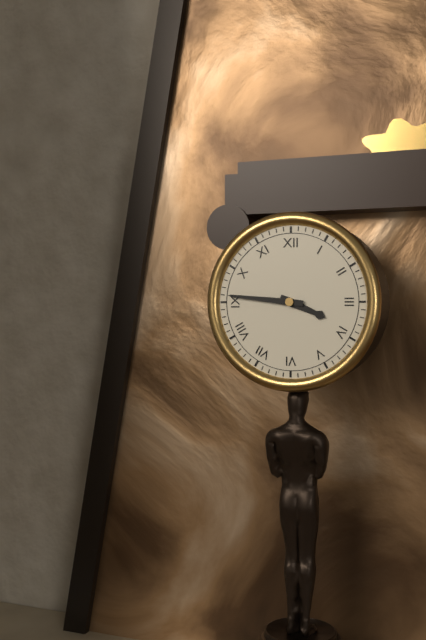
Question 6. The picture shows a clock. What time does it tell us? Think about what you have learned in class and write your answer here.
3:46
